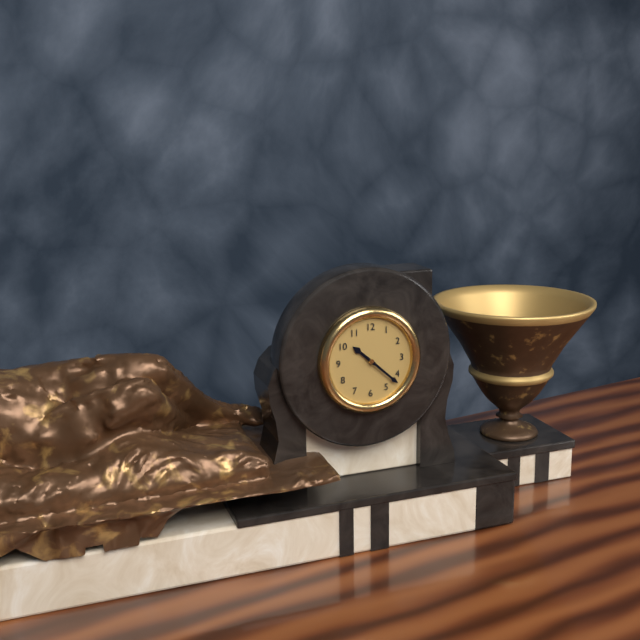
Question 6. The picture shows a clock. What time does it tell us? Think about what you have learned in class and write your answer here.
10:22
